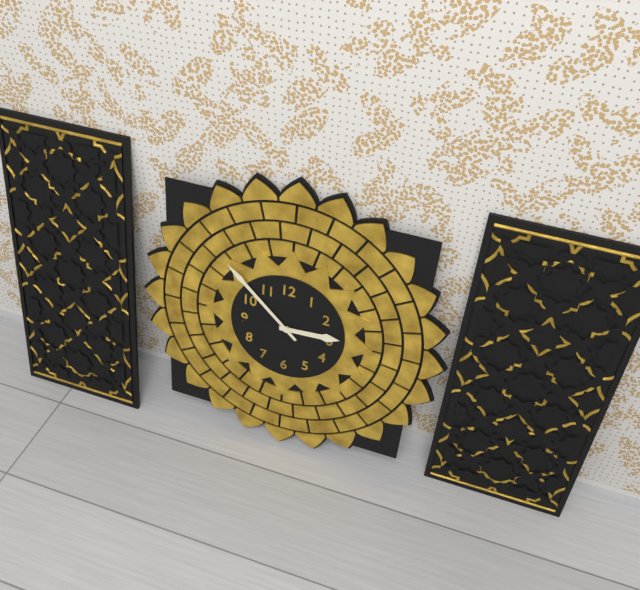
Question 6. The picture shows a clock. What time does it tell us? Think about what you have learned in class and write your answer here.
2:52
